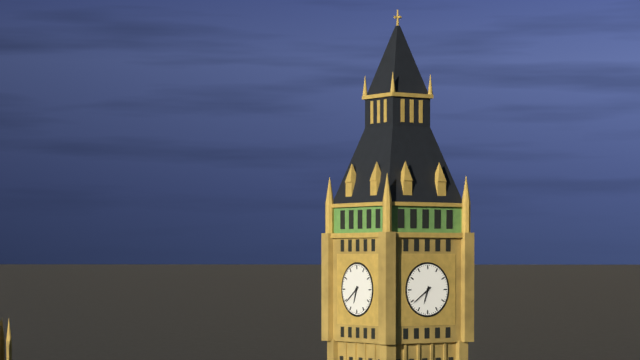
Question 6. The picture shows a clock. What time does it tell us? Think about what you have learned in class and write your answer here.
6:39
